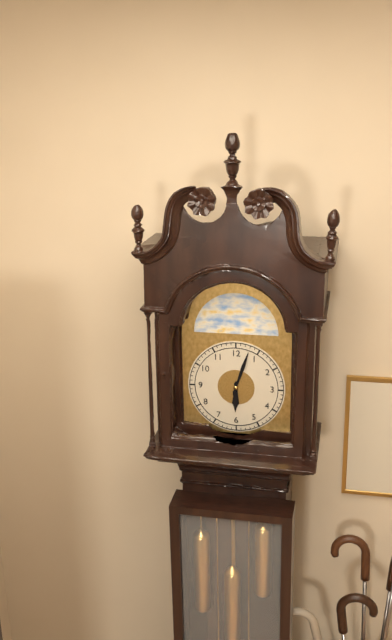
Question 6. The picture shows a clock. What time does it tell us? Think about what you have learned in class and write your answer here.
6:03
